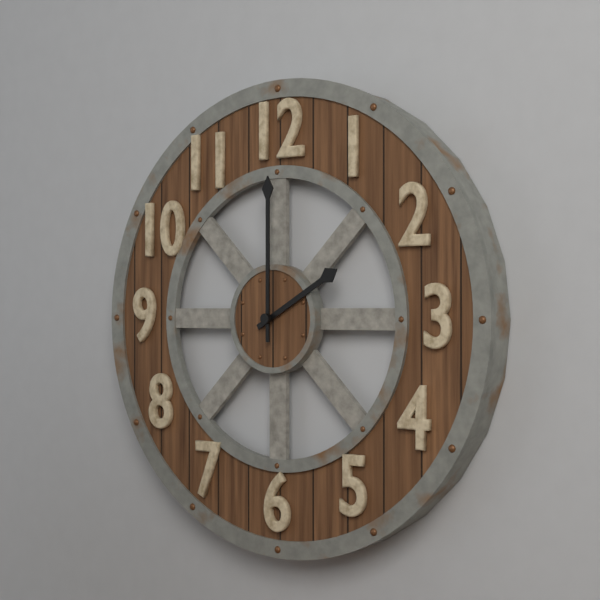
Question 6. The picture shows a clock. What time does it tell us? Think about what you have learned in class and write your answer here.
2:00
